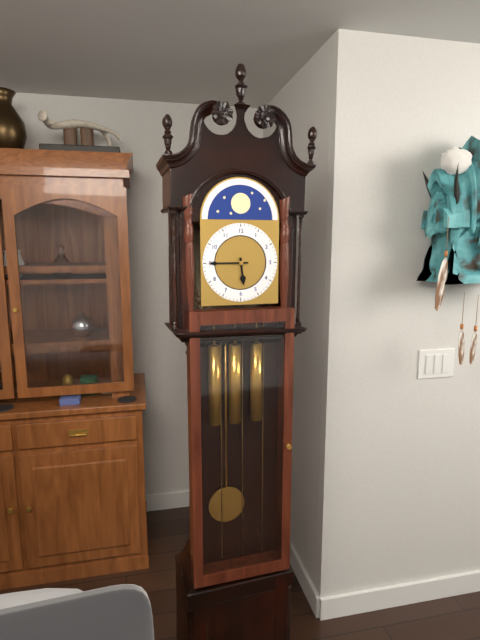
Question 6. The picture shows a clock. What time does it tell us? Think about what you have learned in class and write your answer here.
5:45
